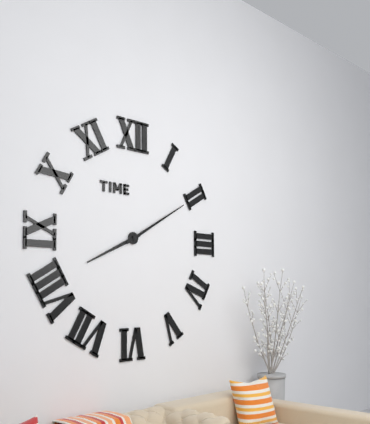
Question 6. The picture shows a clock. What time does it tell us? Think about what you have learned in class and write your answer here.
8:10
